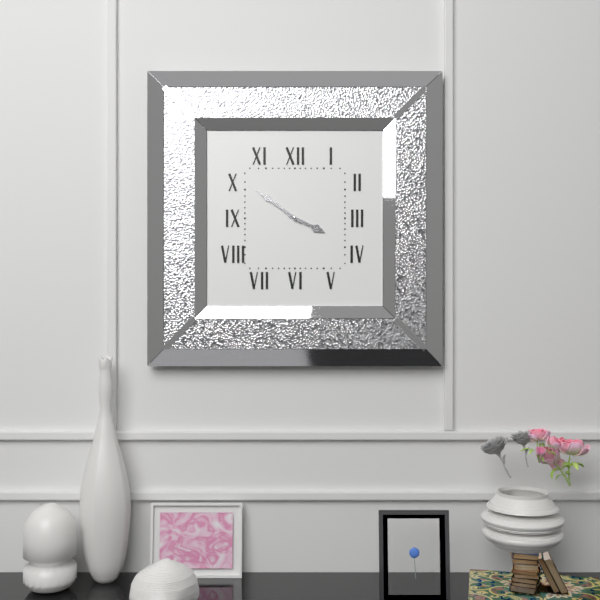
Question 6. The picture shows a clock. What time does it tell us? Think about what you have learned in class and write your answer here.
3:51
